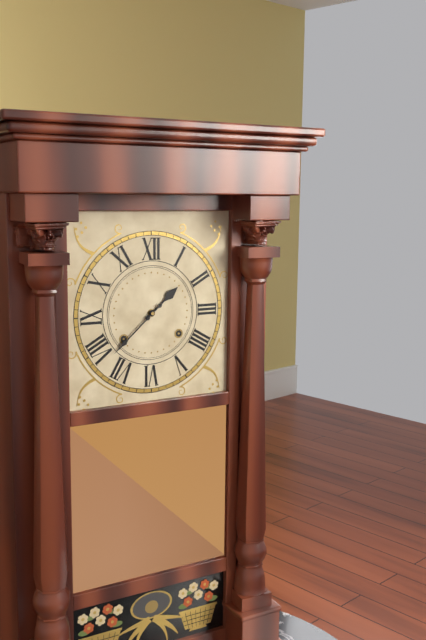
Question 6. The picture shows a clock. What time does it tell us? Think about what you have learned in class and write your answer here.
1:38
